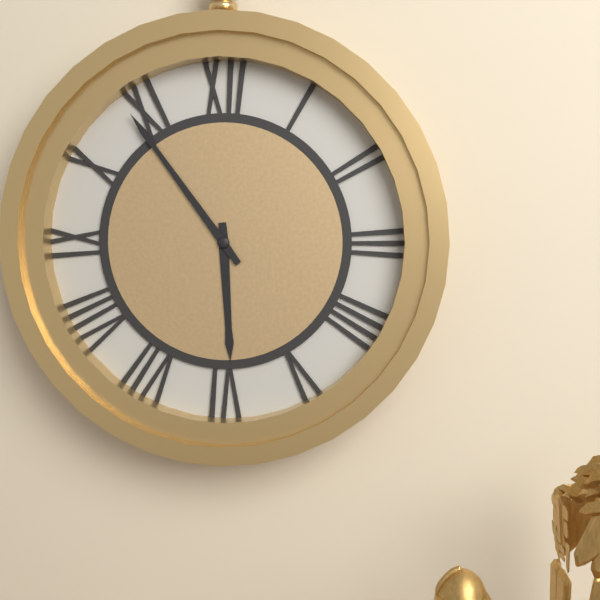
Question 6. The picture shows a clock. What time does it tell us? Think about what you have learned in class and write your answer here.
5:54
